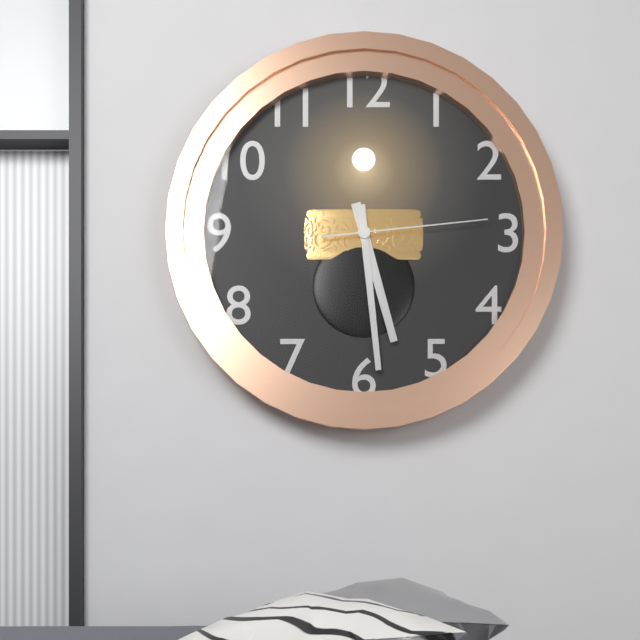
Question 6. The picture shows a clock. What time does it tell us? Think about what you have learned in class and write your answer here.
5:29:14
